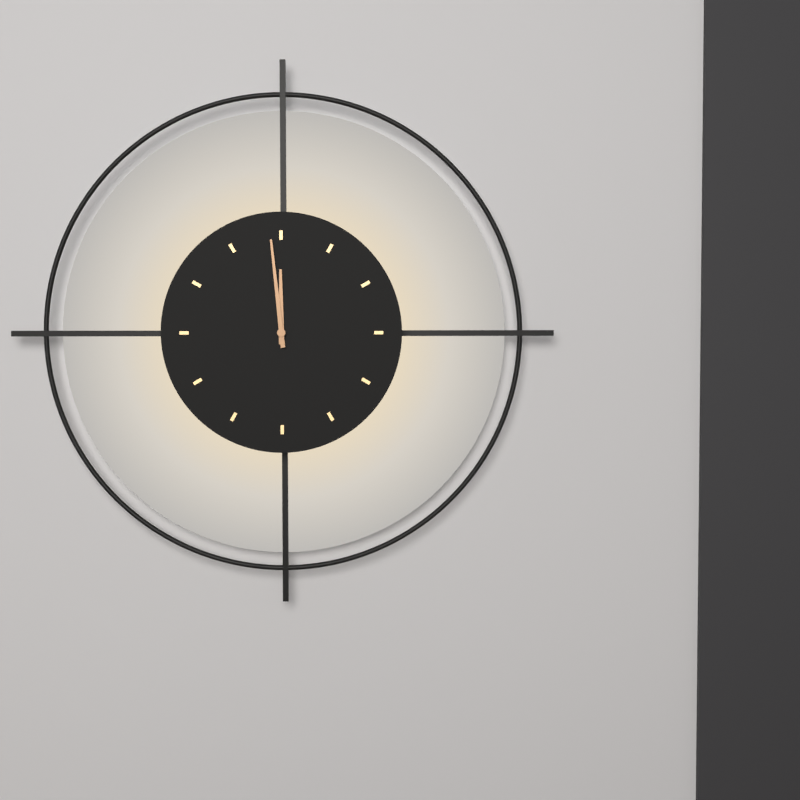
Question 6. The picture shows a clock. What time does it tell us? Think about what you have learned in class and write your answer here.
11:59
